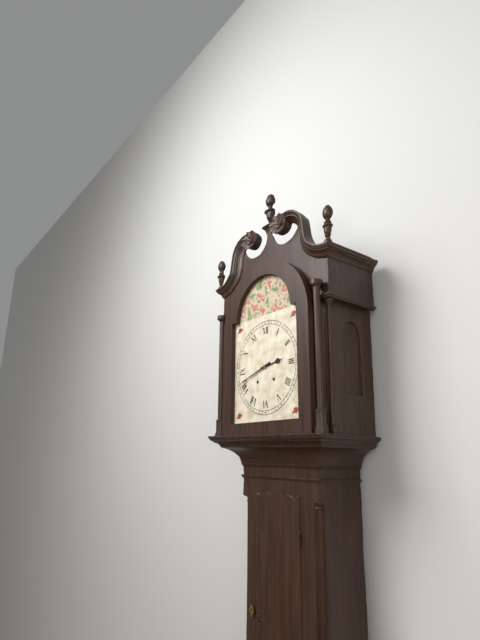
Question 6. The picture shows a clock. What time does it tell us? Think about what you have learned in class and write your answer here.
2:42
